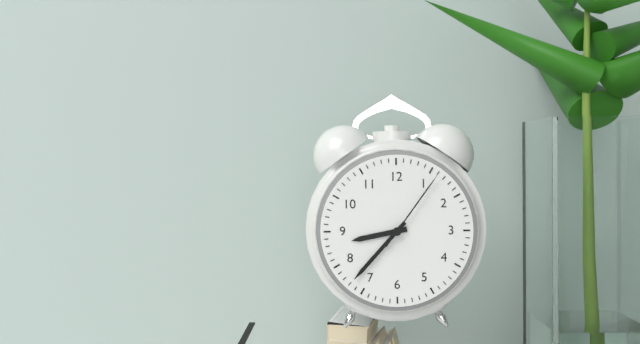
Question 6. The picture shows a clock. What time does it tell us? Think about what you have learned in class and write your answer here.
8:37:06
